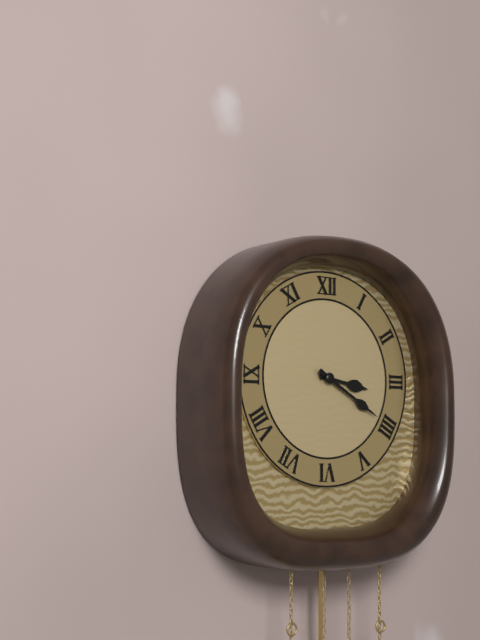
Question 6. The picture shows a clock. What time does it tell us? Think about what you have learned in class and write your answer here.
3:20
